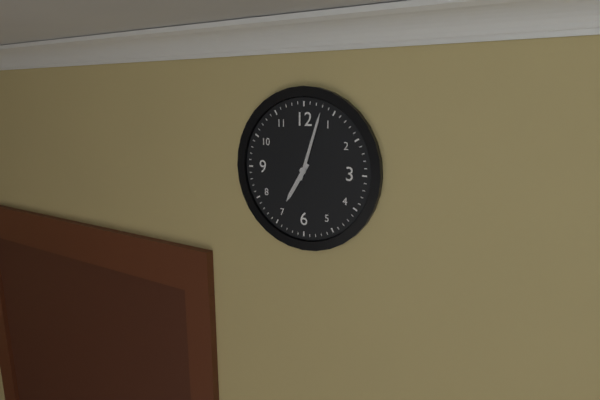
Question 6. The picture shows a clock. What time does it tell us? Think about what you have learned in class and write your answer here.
7:03
